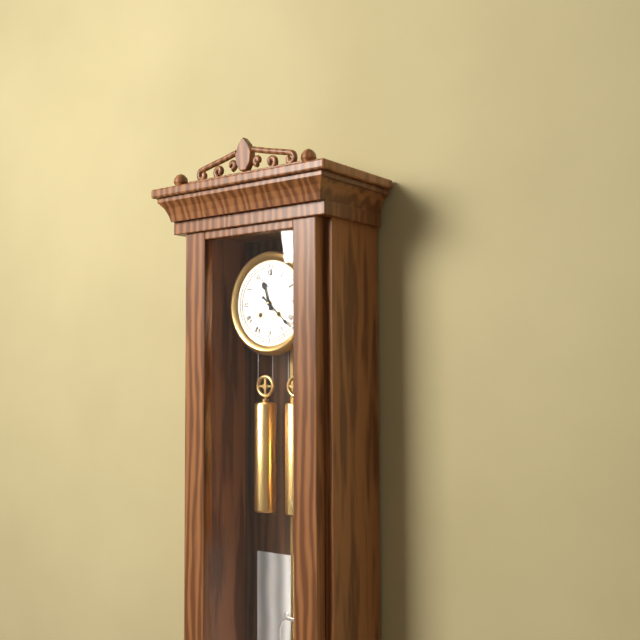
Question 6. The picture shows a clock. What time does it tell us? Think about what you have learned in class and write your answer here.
11:22
